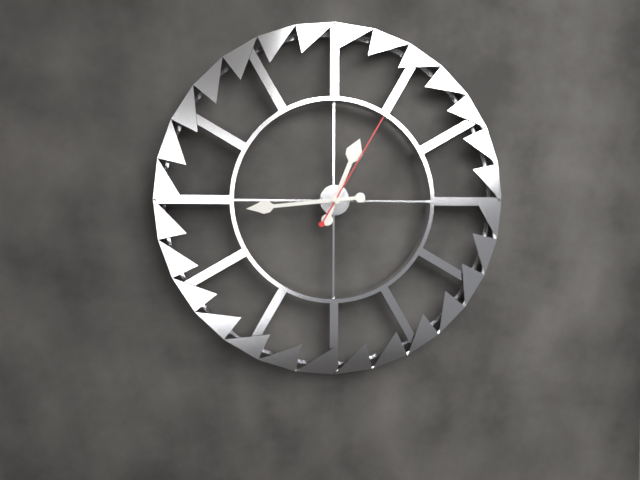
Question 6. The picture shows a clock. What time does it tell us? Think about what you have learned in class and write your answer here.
12:44:05
